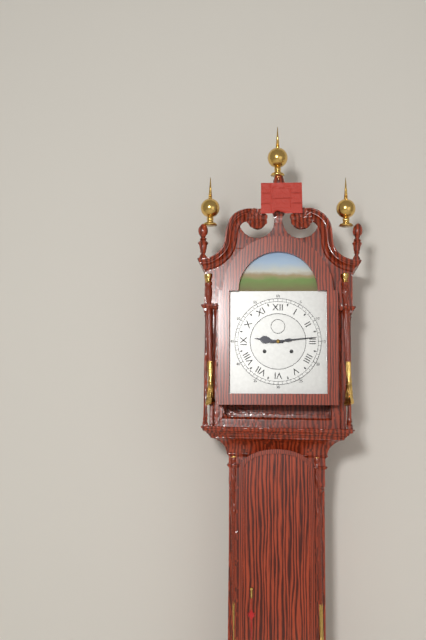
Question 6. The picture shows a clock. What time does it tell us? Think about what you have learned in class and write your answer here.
9:14
